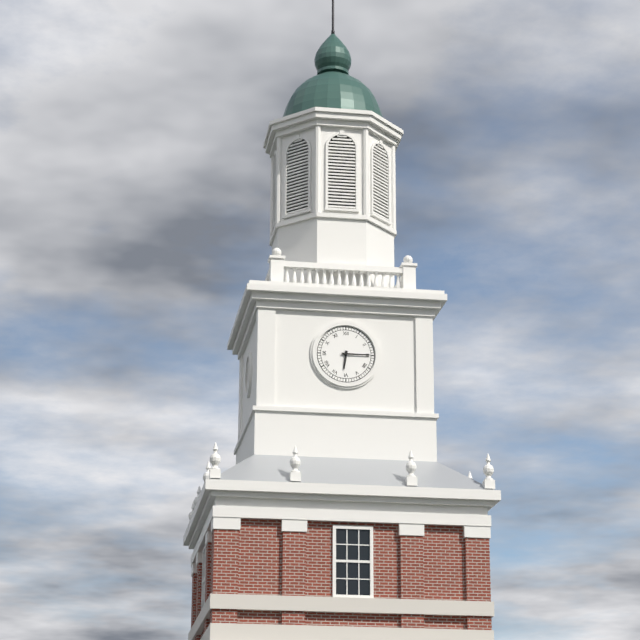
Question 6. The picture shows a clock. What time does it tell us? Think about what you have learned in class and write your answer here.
6:15
